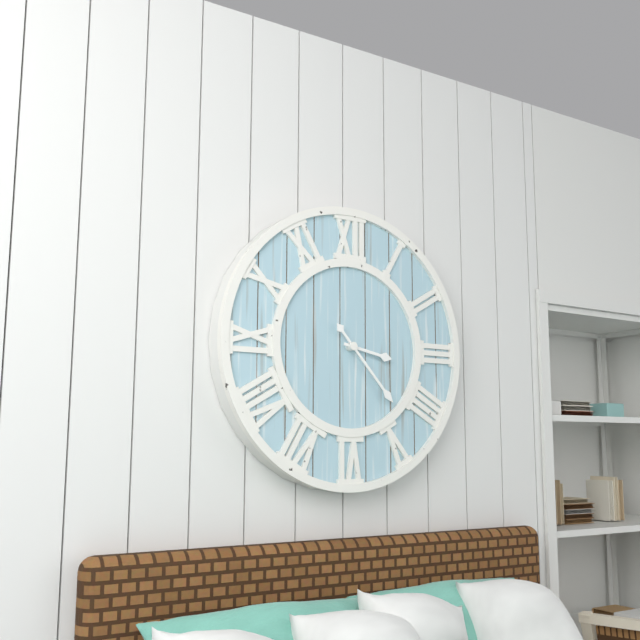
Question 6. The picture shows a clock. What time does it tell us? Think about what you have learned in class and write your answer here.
3:23
